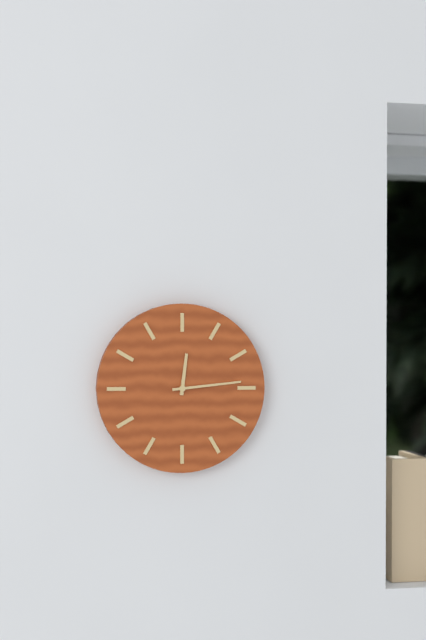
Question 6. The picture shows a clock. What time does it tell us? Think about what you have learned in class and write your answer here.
12:14
